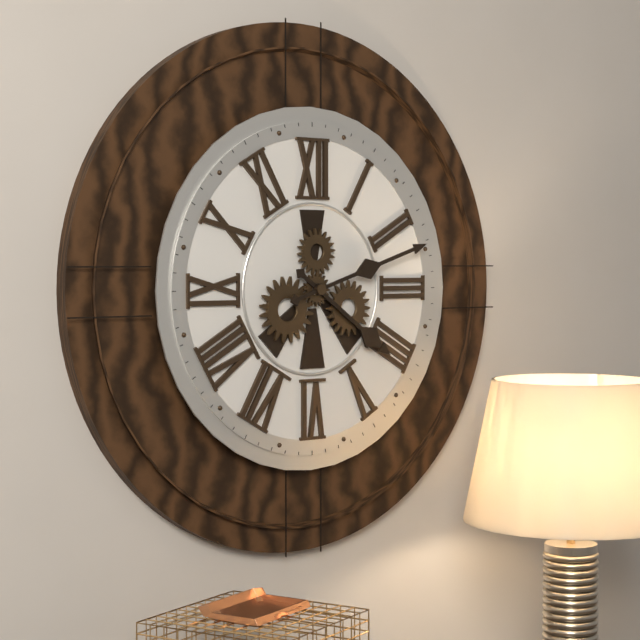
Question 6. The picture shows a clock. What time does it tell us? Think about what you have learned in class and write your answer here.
4:12
